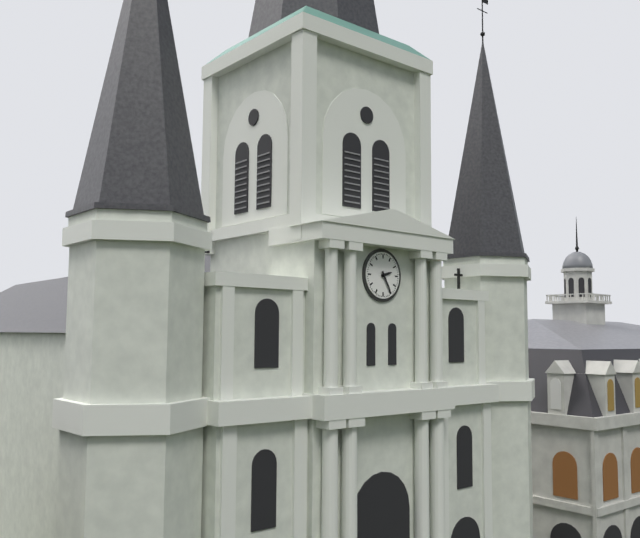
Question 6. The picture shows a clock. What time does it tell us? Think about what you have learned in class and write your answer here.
2:25
